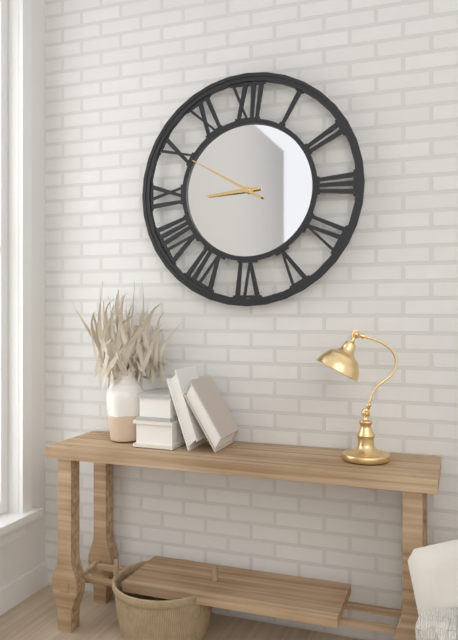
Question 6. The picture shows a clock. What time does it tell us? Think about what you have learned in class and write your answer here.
8:50
